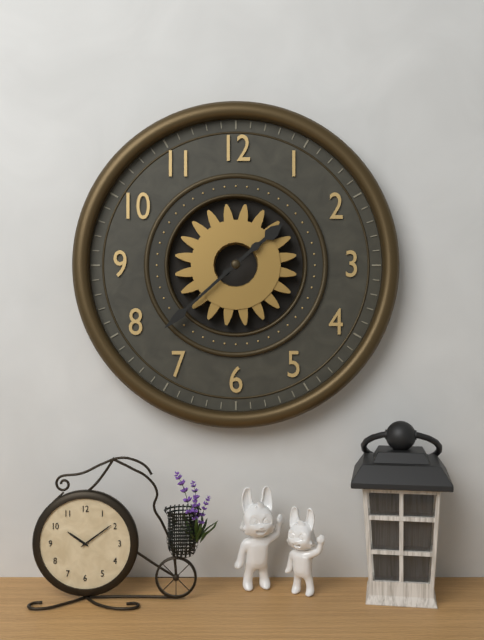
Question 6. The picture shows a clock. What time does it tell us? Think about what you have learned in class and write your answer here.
1:38
